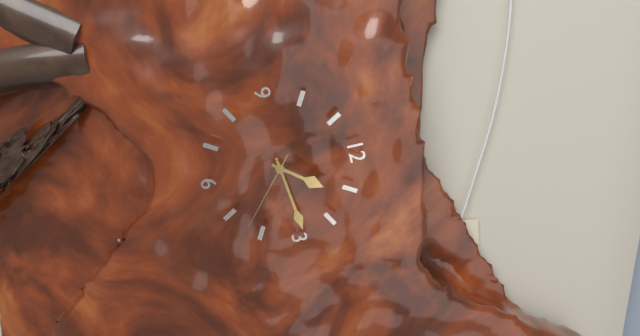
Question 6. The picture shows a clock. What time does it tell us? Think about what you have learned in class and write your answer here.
1:14:22
